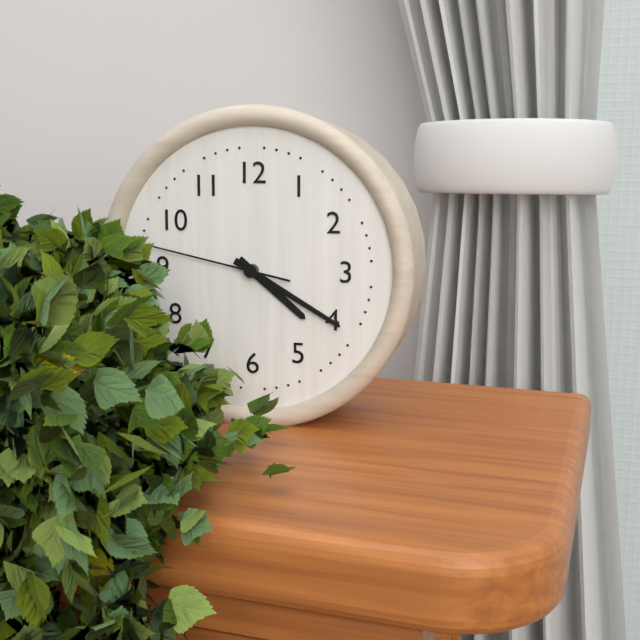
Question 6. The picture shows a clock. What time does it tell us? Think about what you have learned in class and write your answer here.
4:20:47
